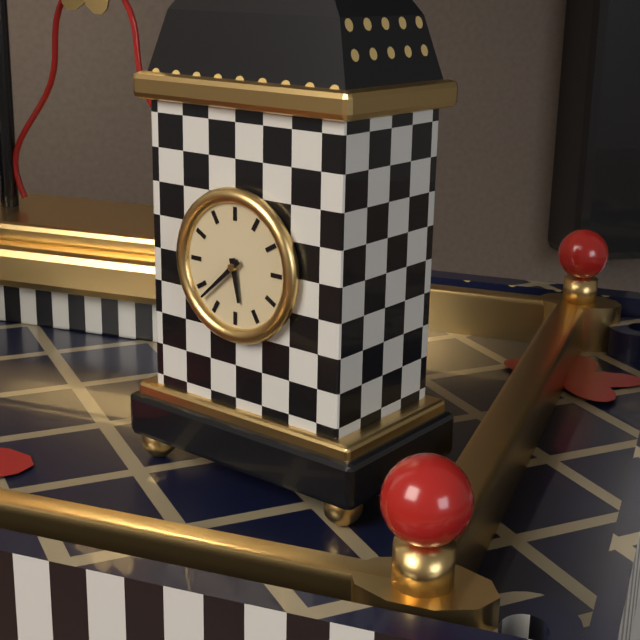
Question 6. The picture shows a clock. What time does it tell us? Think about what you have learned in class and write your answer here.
5:38
